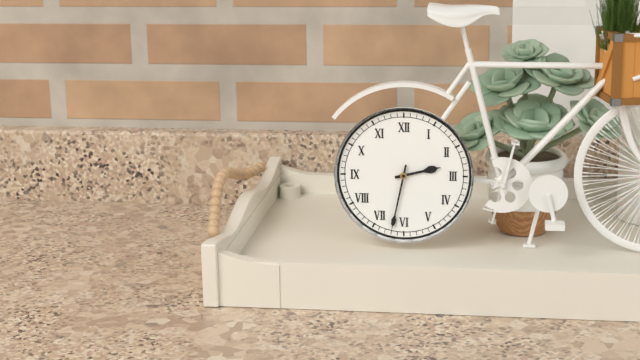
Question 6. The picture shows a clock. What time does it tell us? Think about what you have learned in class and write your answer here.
2:32
